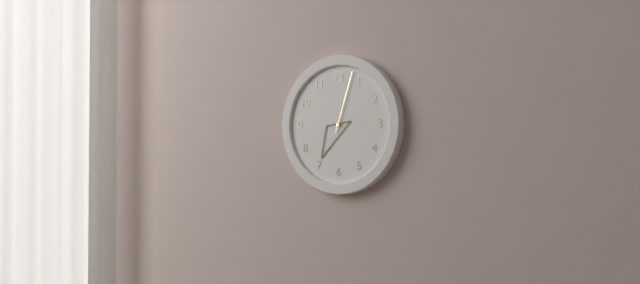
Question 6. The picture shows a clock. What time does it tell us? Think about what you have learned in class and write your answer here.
7:03
